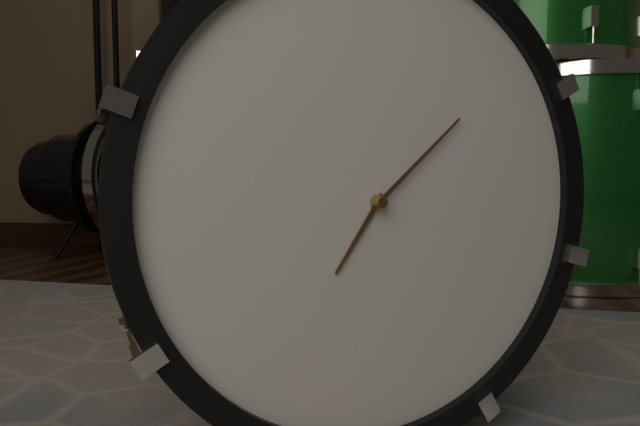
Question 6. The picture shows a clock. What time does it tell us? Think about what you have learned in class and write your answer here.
7:08
